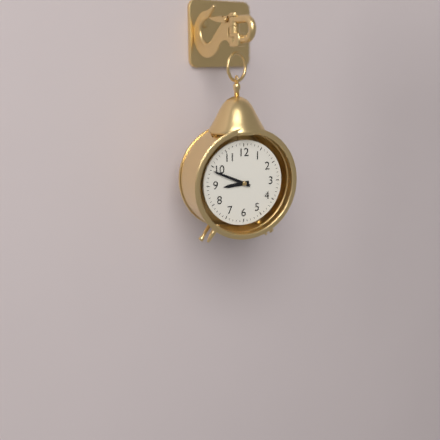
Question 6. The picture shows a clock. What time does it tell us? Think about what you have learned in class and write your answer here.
8:49
